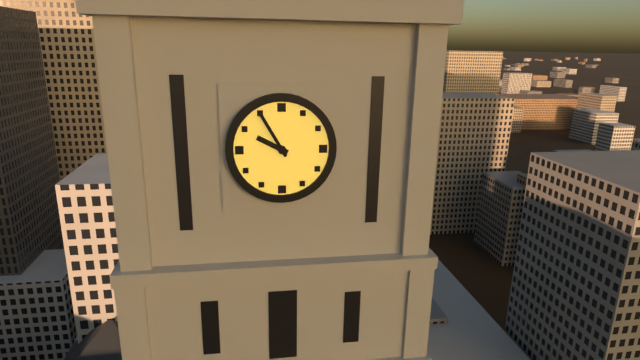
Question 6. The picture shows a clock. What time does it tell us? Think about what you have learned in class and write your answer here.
9:55
